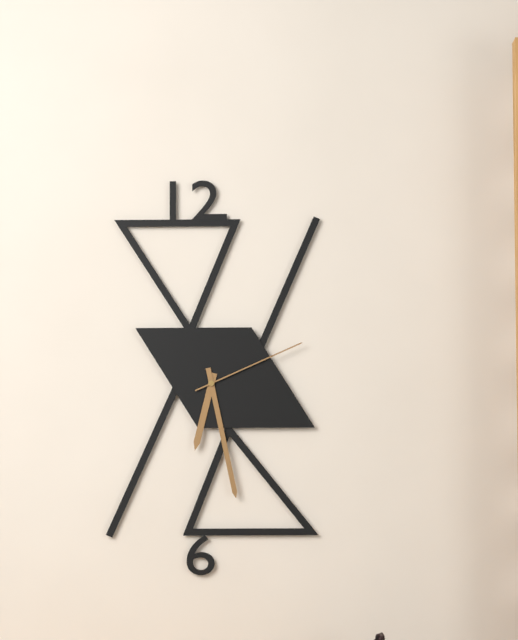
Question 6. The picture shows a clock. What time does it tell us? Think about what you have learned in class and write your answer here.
6:28:11
